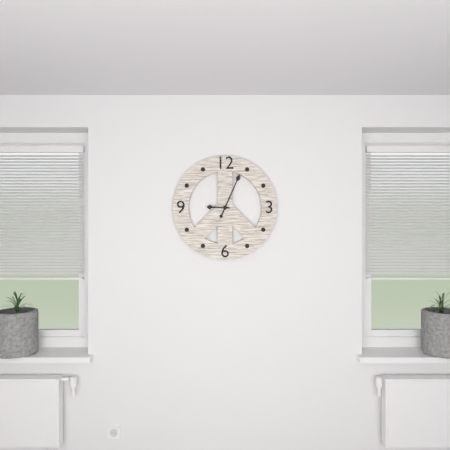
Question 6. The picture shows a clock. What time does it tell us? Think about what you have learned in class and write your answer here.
9:04
